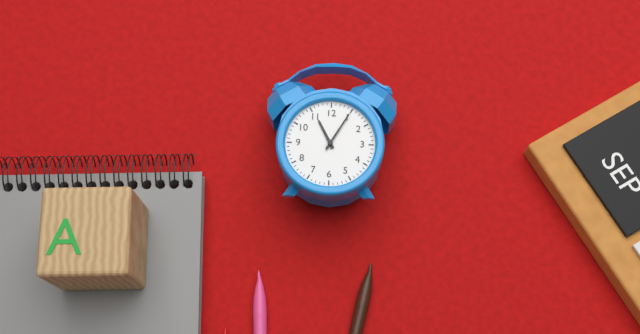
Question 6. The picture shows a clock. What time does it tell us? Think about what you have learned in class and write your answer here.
11:05
